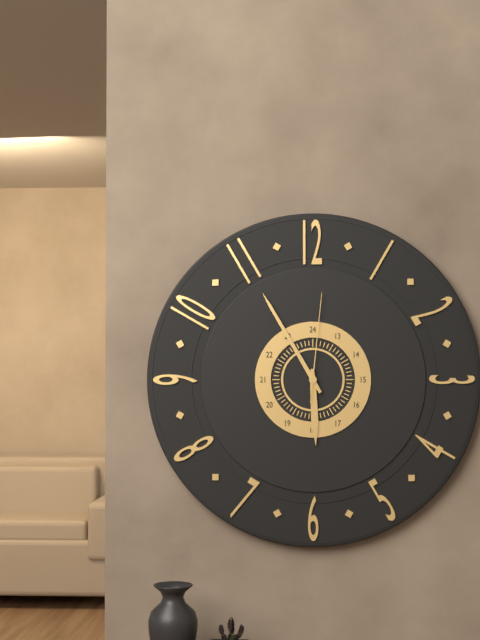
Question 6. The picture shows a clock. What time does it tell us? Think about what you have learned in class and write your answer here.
5:55:01
